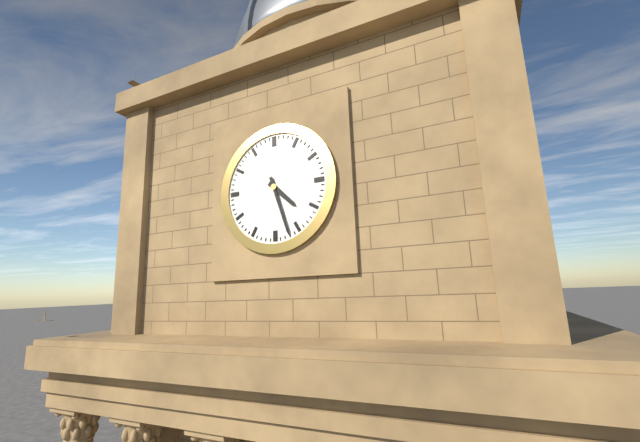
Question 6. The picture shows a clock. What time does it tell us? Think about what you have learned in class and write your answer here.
4:27
